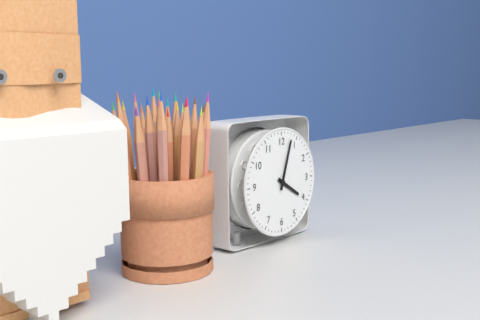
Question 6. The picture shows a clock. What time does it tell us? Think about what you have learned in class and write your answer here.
4:03
